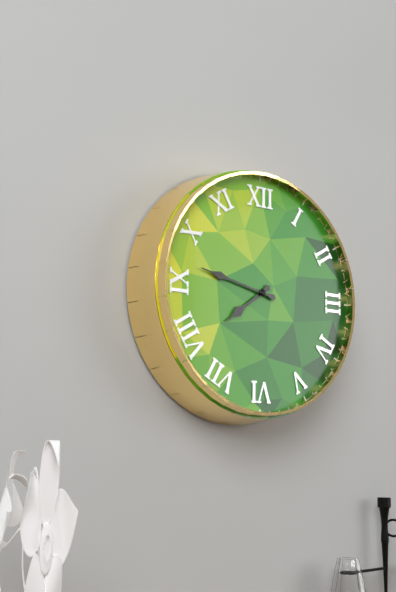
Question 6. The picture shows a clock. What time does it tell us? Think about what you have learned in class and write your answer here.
7:47
